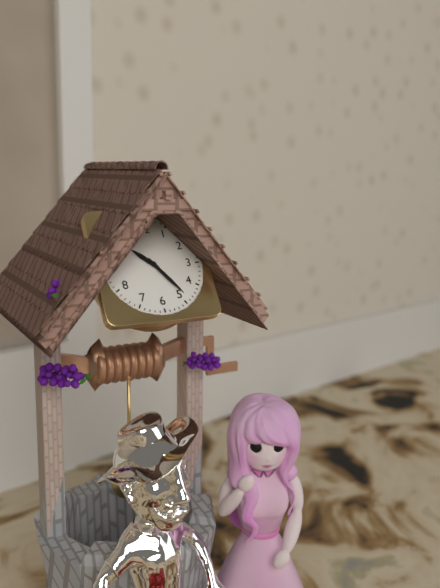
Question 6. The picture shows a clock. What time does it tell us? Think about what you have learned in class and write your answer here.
10:24
